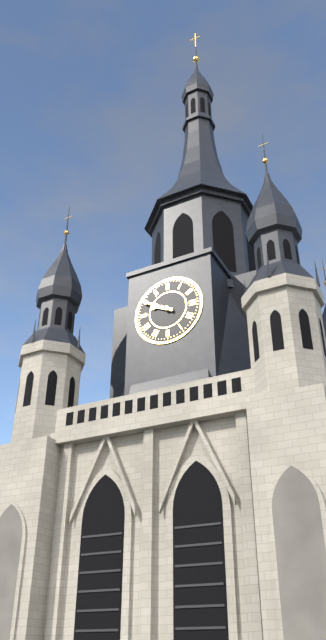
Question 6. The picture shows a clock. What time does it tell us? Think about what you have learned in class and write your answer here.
9:50
